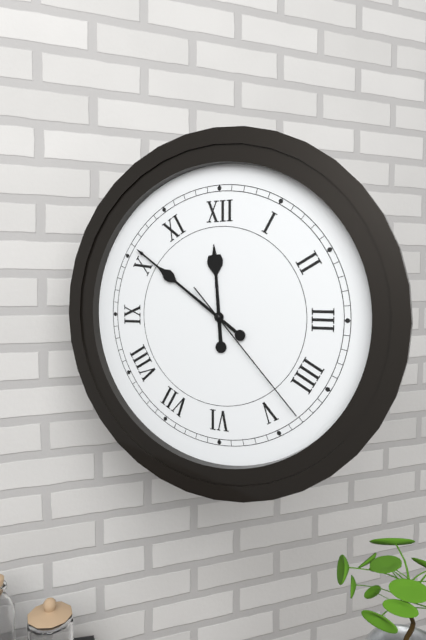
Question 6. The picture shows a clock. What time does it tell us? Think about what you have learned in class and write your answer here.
11:51:23
